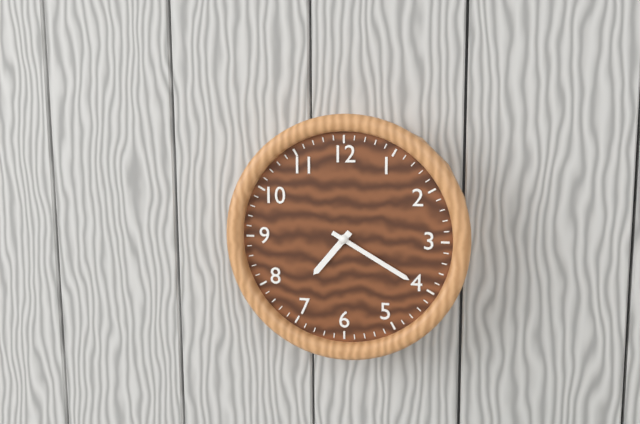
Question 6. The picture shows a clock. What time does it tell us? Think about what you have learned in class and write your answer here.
7:20
